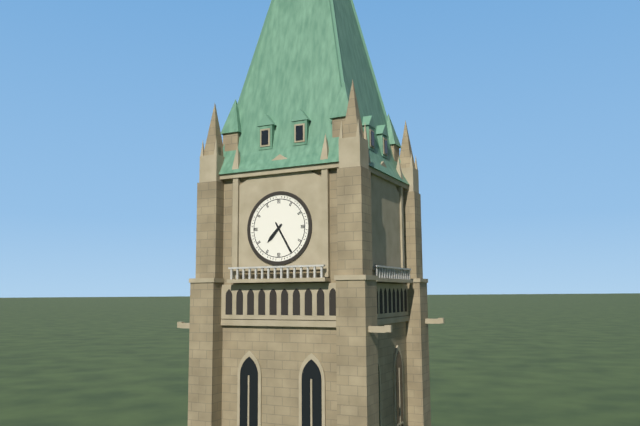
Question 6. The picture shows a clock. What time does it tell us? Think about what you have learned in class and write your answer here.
7:25
